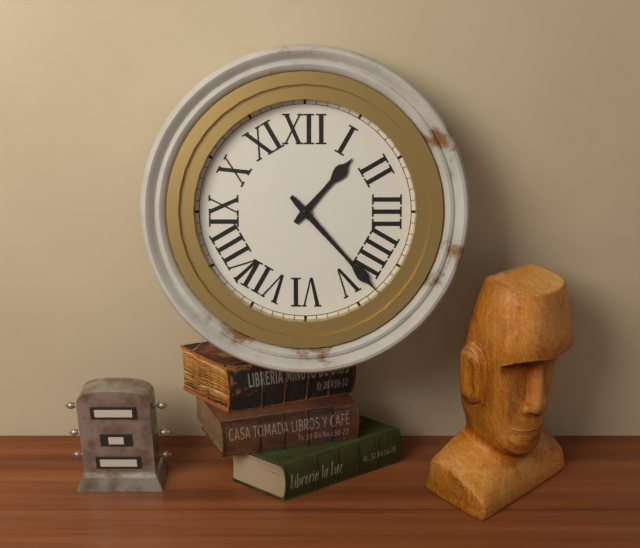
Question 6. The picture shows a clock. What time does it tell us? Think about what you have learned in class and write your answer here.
1:23
